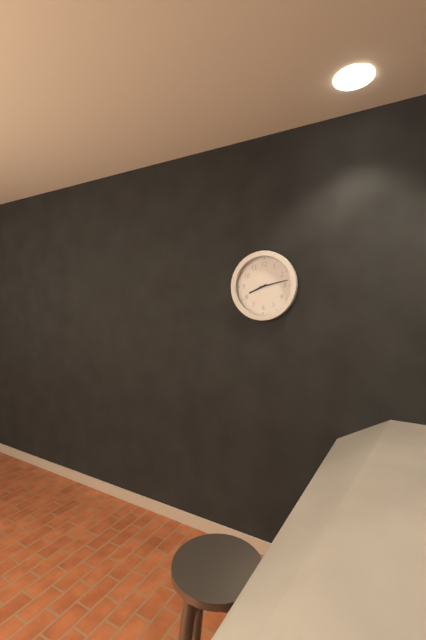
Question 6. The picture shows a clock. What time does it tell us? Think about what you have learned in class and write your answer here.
8:13
